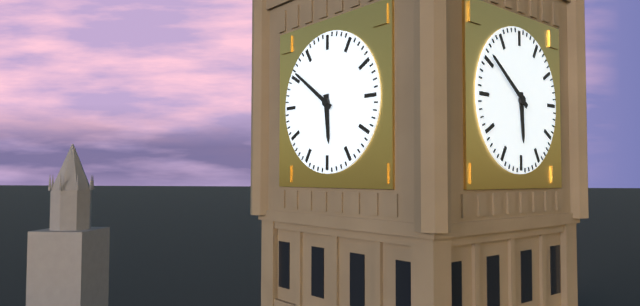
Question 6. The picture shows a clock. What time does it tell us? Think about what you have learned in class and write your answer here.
5:51
